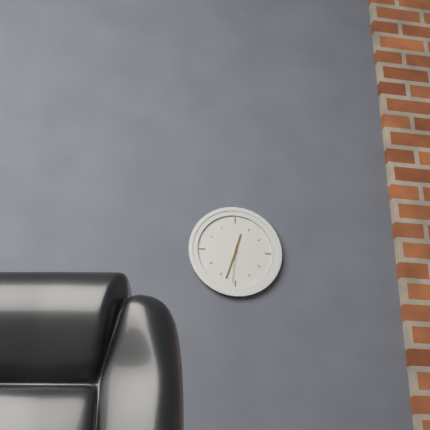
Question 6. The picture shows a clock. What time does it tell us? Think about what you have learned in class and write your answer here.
12:33
